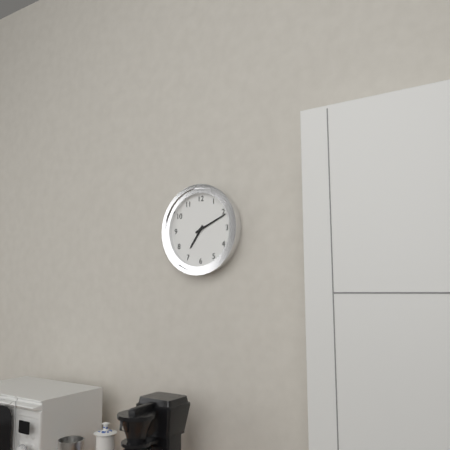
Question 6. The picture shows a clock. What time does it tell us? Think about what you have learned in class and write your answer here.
7:11
